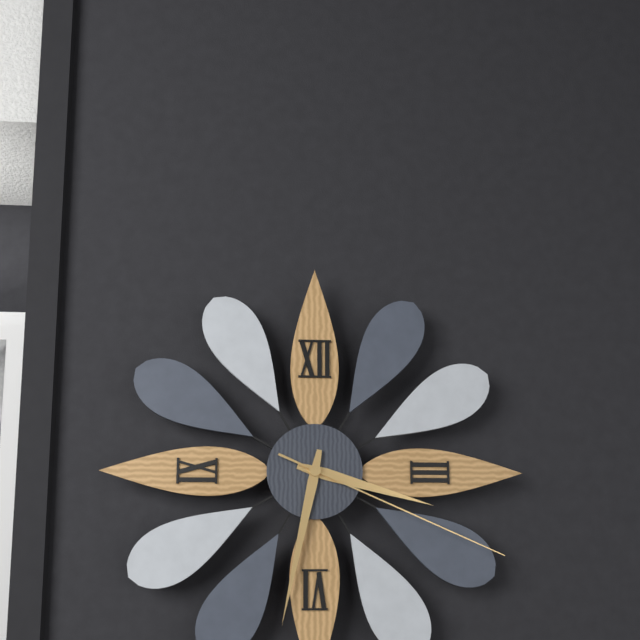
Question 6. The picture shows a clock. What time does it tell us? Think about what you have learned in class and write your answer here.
3:32:19
